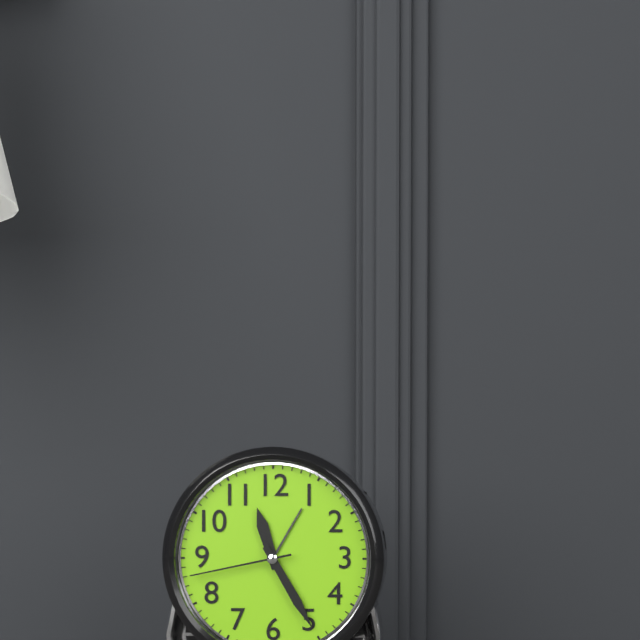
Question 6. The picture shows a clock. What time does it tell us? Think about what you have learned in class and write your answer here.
11:25:43
